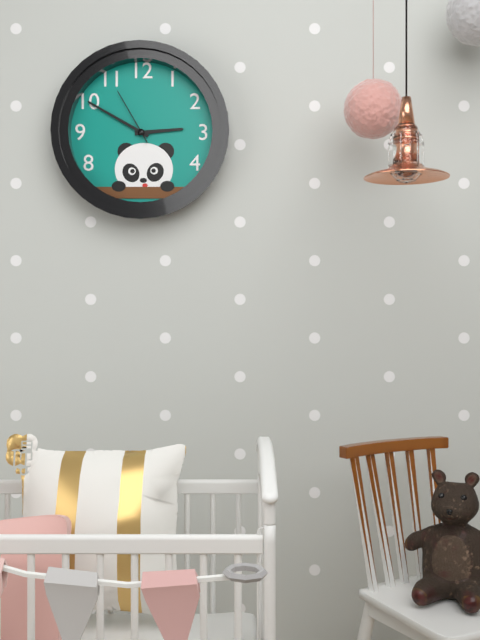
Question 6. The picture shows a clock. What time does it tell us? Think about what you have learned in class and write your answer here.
2:50:55
